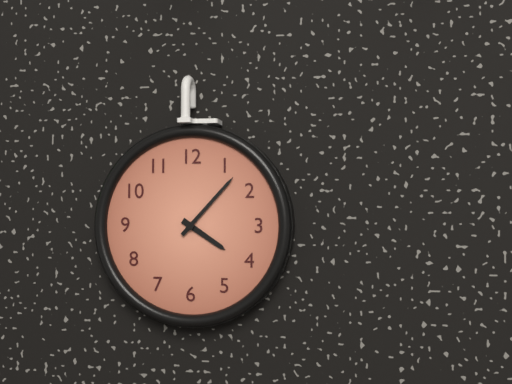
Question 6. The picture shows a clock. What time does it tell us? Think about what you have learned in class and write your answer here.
4:07
